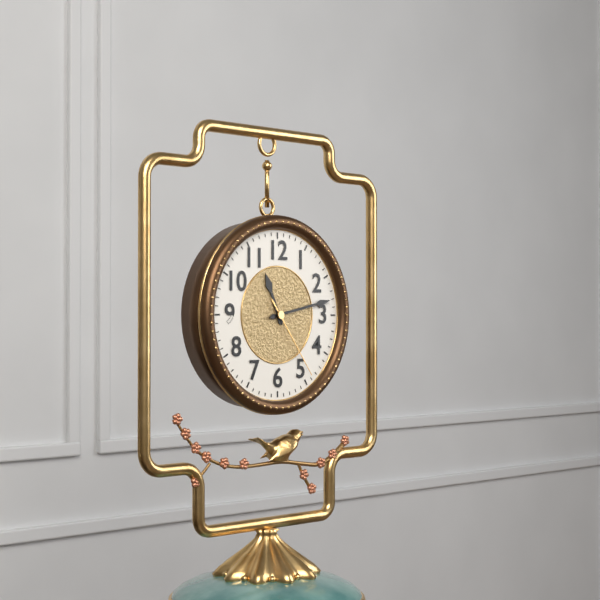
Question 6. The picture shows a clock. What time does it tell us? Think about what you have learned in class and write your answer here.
11:13:24
